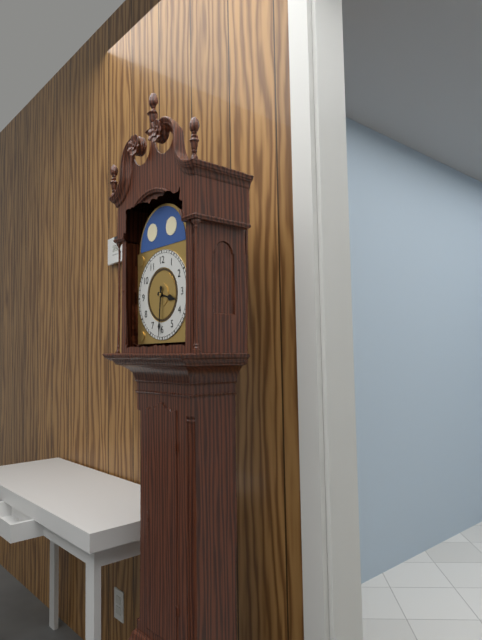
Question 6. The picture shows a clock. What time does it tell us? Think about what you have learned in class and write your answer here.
3:31
